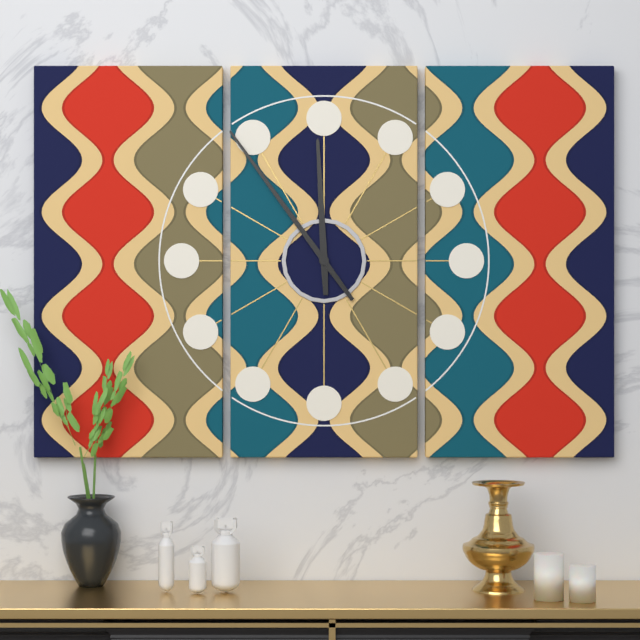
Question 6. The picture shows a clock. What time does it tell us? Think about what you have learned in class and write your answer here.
11:54
